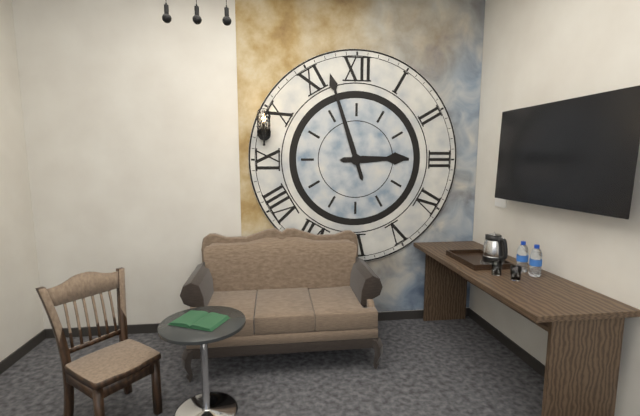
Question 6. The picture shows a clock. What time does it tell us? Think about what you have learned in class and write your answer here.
2:57
